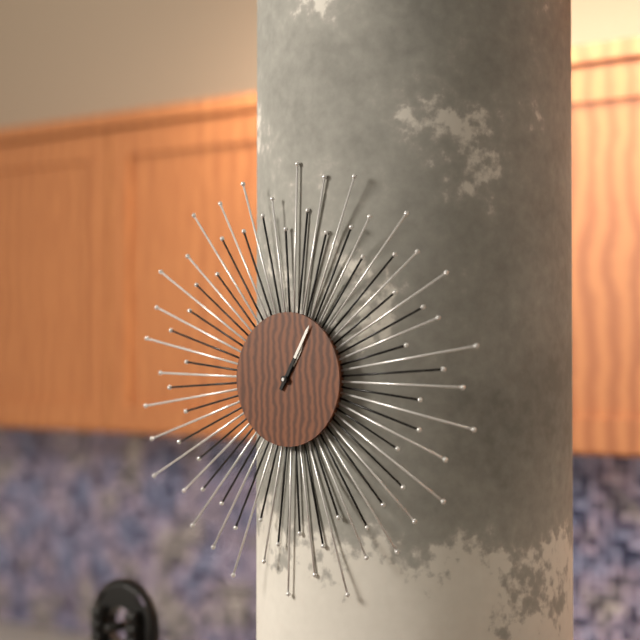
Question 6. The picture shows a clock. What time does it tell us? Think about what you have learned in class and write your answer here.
1:05
